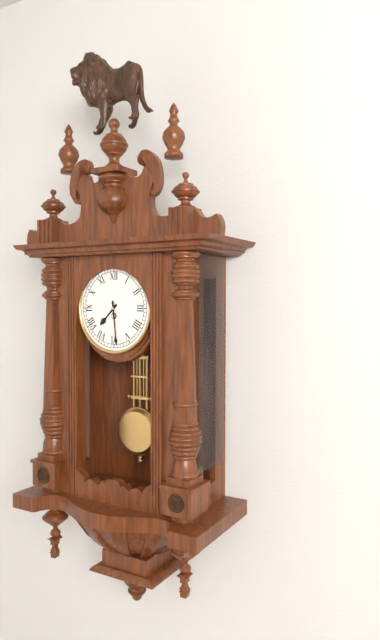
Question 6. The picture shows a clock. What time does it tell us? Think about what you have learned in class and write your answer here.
7:29
